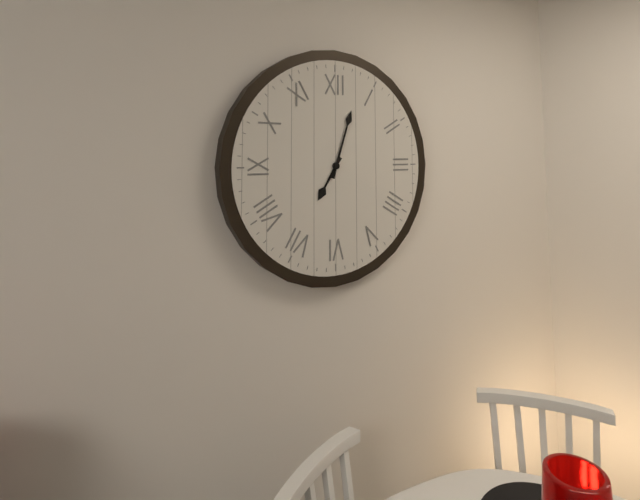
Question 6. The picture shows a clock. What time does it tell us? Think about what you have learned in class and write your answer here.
7:03
